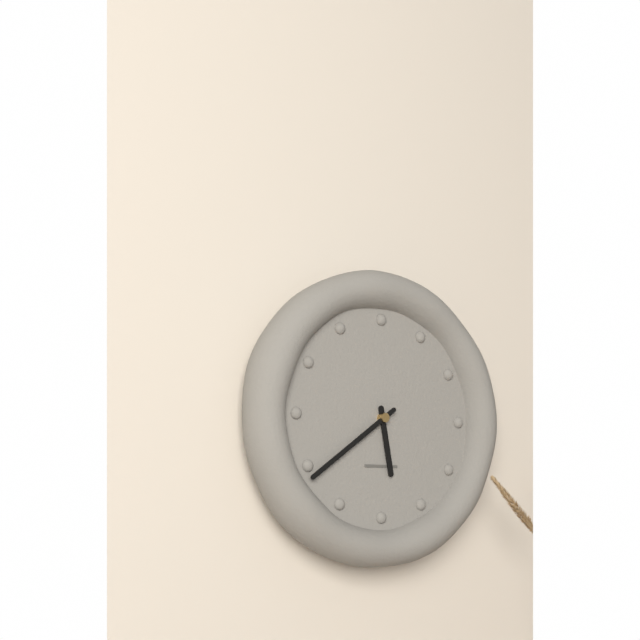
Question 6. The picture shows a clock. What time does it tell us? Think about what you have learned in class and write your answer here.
5:39
